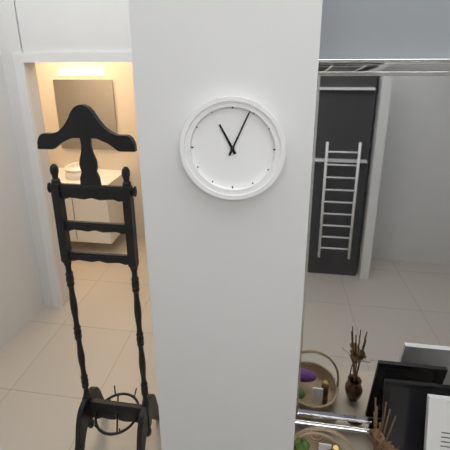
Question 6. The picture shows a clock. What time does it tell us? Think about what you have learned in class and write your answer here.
11:04
